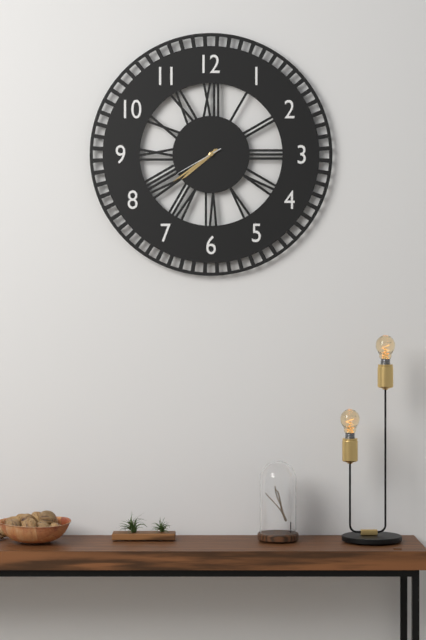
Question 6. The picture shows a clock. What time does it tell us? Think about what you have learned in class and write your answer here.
7:39:40
